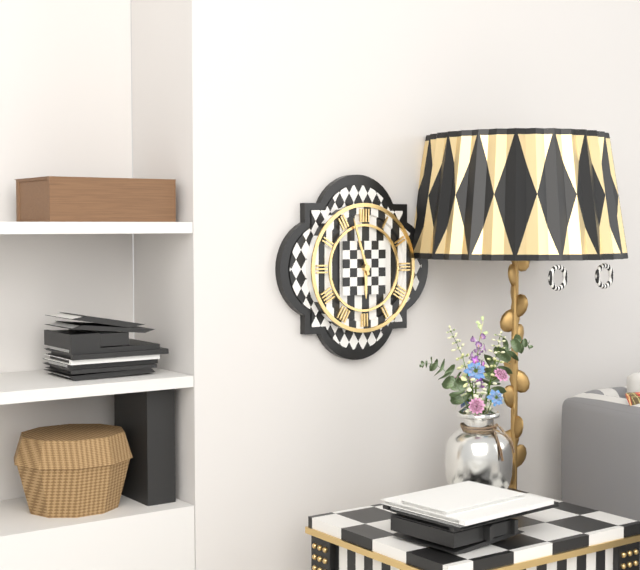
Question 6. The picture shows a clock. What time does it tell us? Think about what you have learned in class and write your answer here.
5:57
